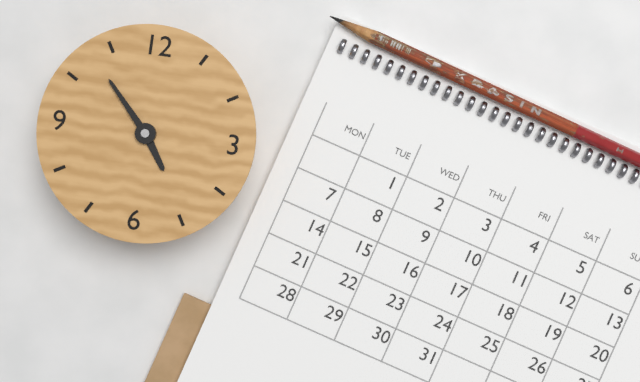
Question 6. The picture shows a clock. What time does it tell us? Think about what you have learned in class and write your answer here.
4:53
